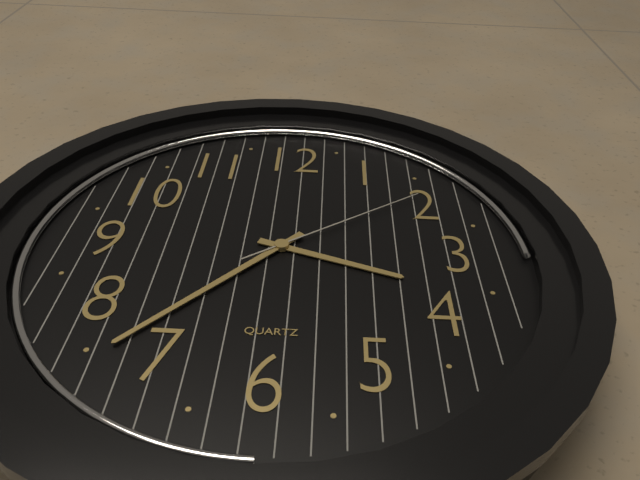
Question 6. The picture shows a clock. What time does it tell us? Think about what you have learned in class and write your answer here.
3:37:09
